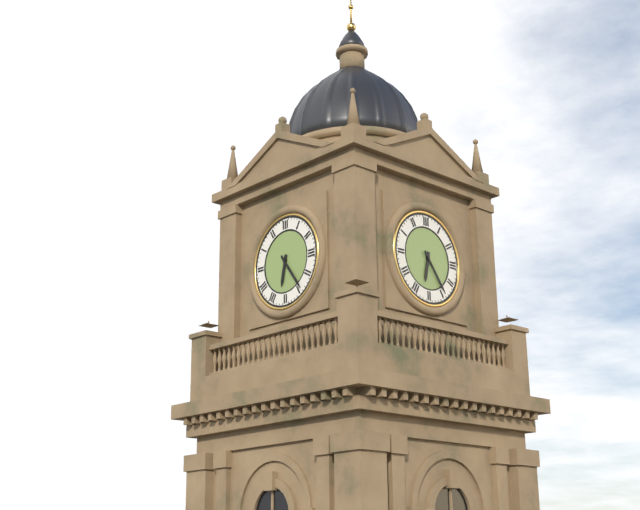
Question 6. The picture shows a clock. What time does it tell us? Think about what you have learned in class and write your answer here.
6:24
